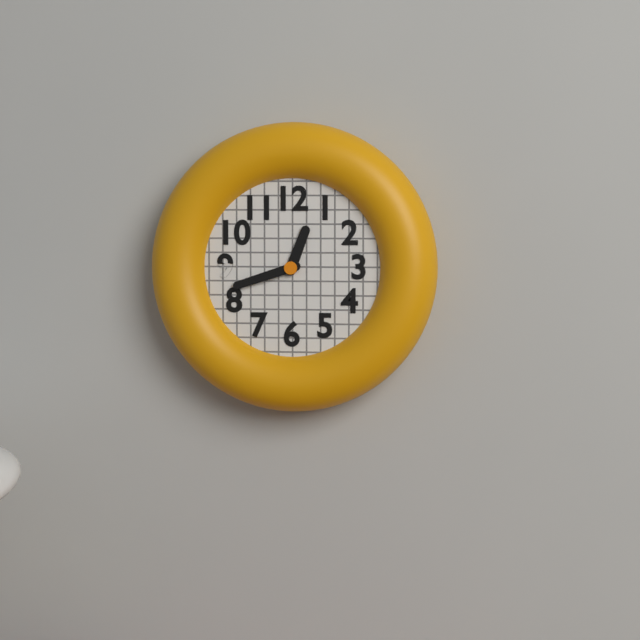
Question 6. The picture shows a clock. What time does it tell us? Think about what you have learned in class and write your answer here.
12:42
